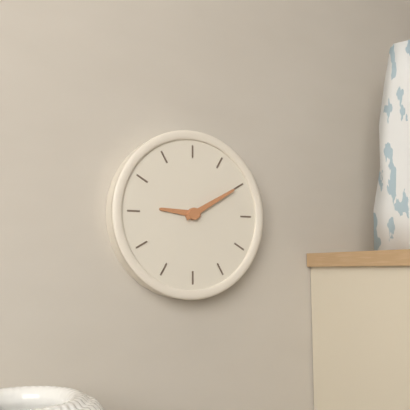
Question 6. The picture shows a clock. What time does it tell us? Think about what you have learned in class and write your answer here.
9:10
